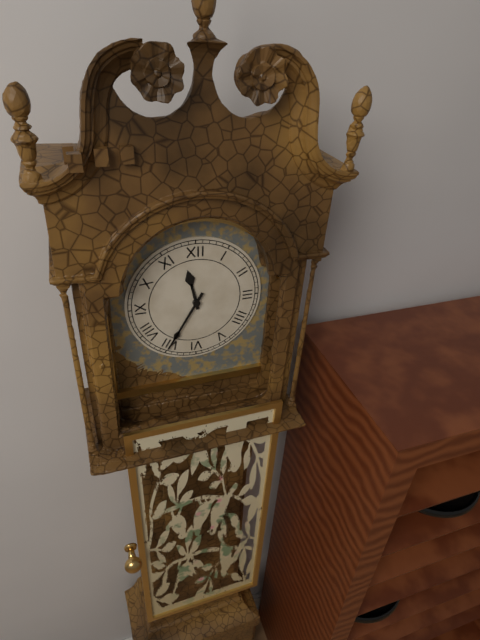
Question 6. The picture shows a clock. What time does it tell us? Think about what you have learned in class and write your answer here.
11:35
